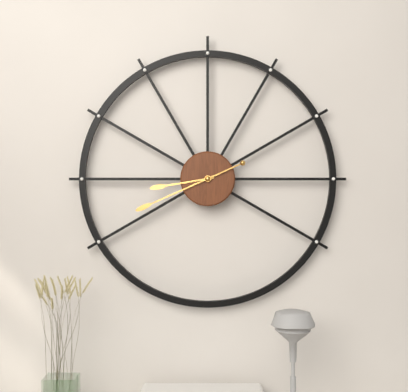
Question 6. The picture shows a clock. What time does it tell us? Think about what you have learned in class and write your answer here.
8:41
